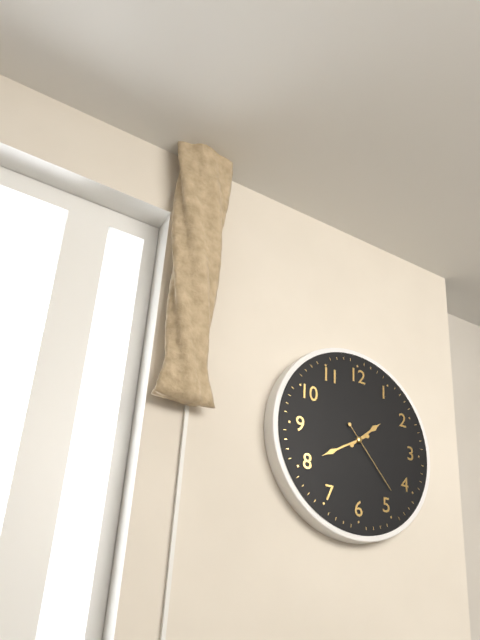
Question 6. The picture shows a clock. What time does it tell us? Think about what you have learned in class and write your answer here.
1:40:23
